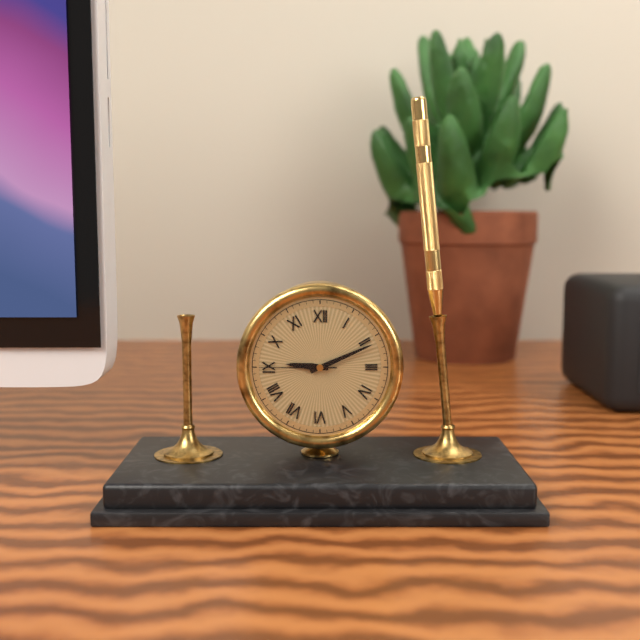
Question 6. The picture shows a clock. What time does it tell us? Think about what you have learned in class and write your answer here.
9:11:45
